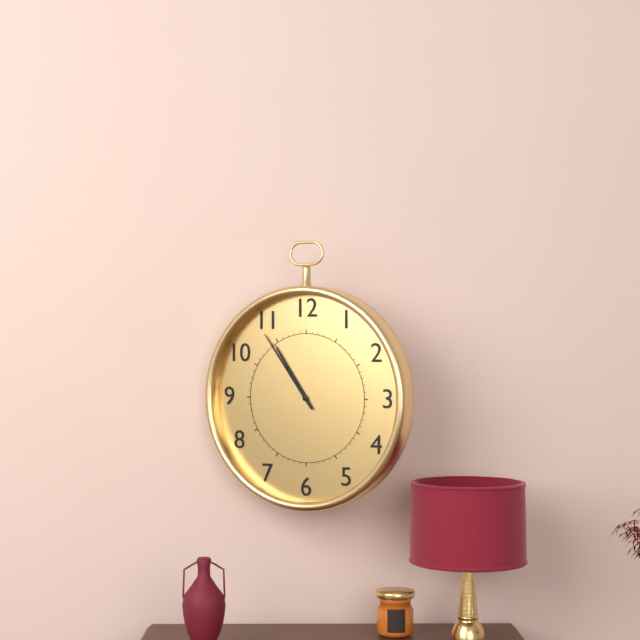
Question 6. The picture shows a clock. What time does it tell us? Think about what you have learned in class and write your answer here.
10:54
